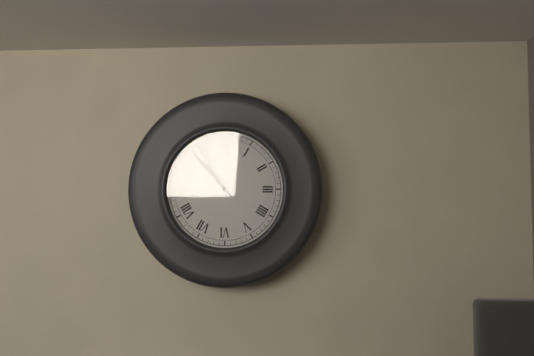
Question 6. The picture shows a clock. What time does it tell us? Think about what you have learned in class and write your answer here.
10:53
